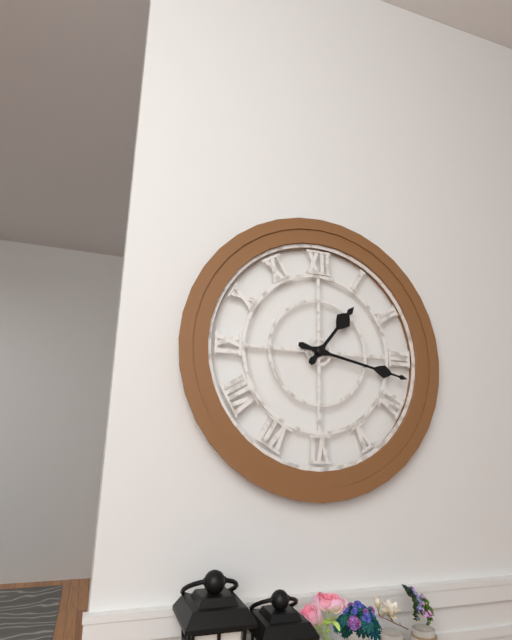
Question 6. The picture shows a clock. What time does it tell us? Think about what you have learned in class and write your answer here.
1:17
